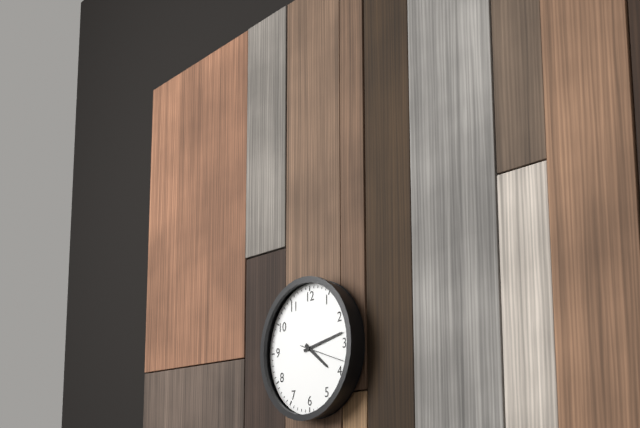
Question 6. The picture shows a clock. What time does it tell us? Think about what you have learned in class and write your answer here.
4:13
